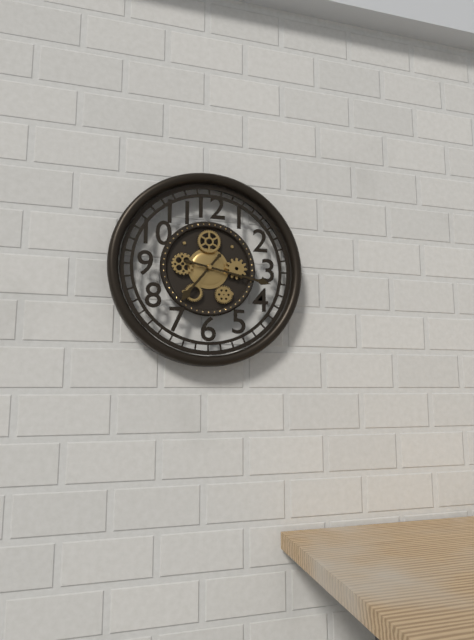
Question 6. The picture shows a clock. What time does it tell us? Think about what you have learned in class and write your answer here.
7:17
